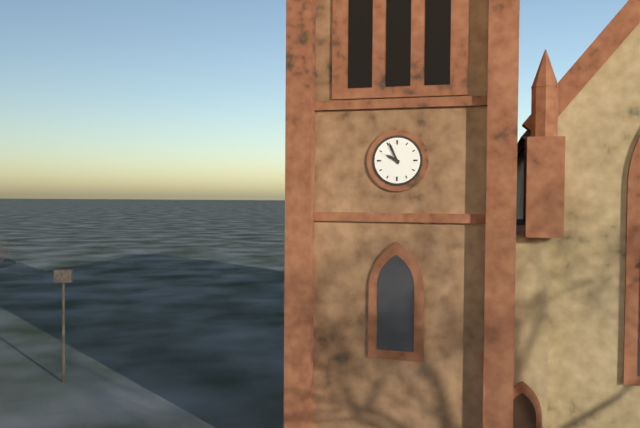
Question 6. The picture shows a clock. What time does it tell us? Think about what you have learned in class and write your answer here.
9:56
